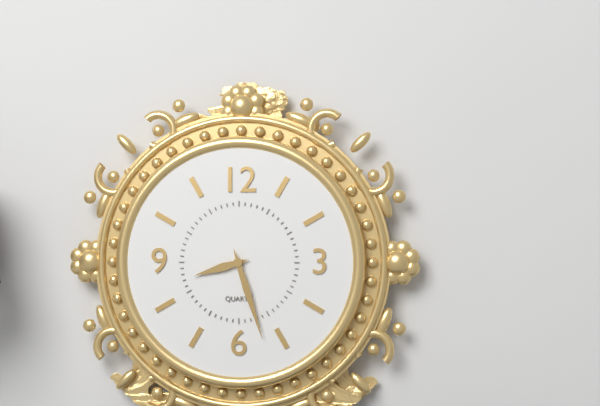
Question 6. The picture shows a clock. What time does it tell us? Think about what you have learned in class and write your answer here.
8:27
